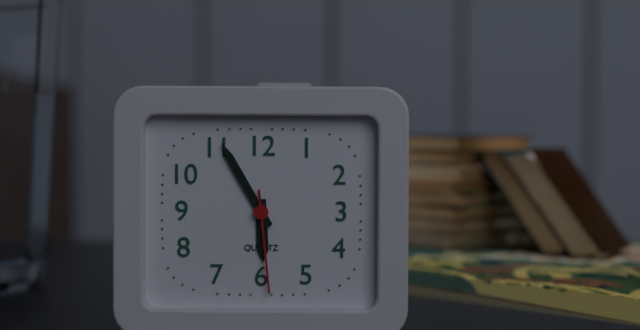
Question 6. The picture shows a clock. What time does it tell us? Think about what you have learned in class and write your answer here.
5:55:29
